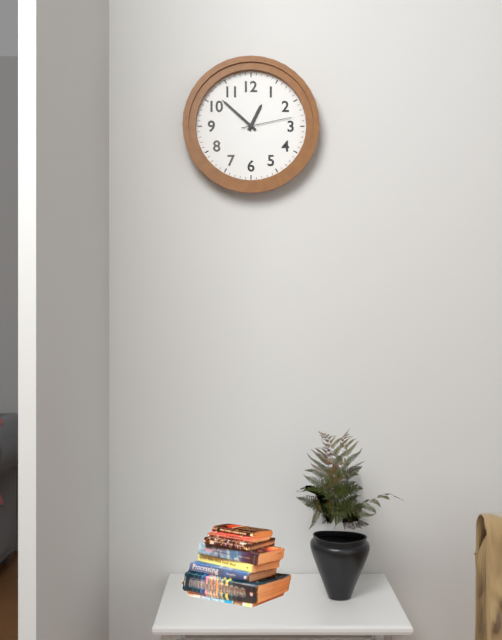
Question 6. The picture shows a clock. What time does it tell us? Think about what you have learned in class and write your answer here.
12:52:13
